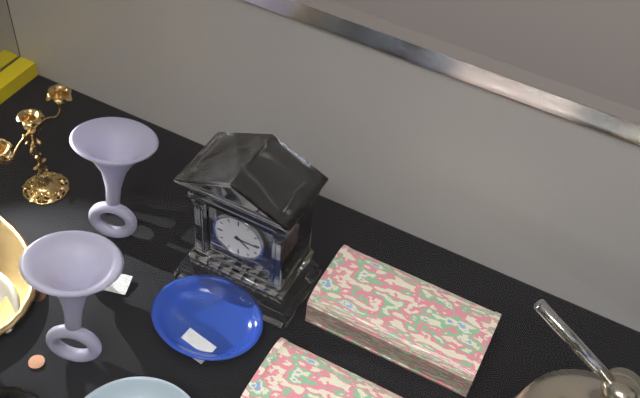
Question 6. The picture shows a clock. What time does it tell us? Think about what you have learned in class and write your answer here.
4:15
